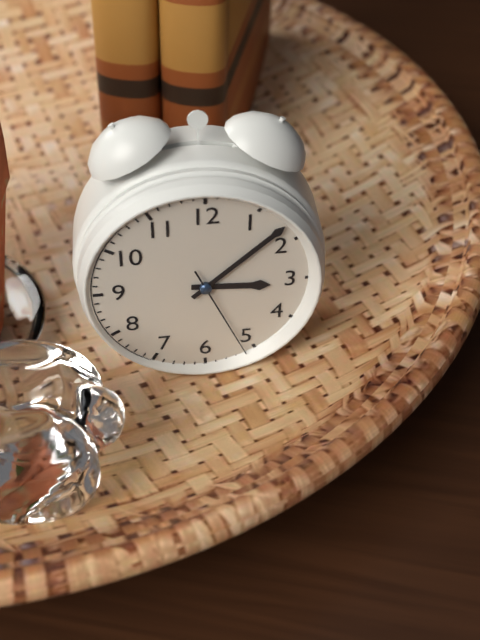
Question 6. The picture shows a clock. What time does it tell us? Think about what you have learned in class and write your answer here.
3:08:26
